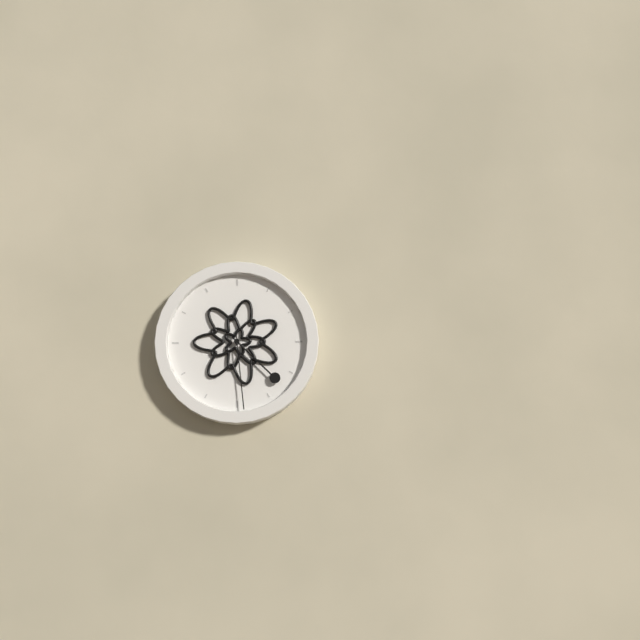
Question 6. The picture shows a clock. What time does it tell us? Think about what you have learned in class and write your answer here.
4:29
